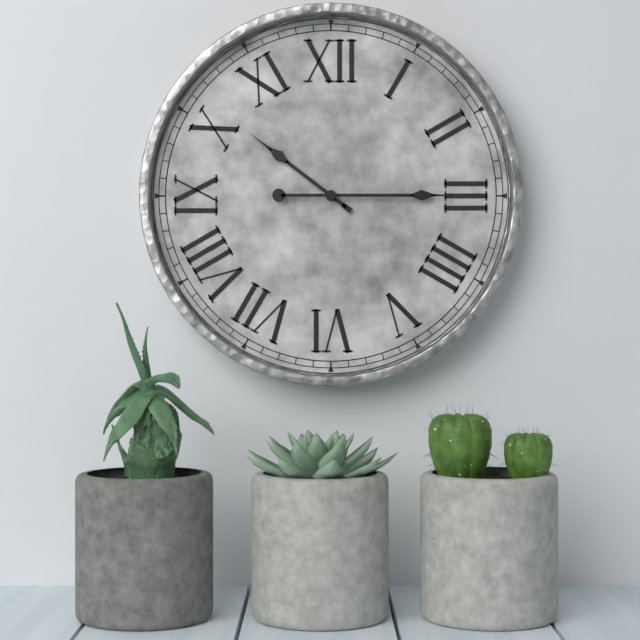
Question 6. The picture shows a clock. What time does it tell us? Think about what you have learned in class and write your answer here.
10:15
